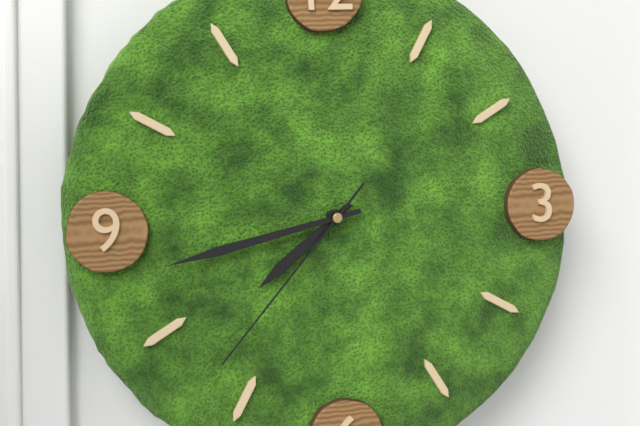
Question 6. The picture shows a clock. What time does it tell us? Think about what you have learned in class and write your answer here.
7:43:37
